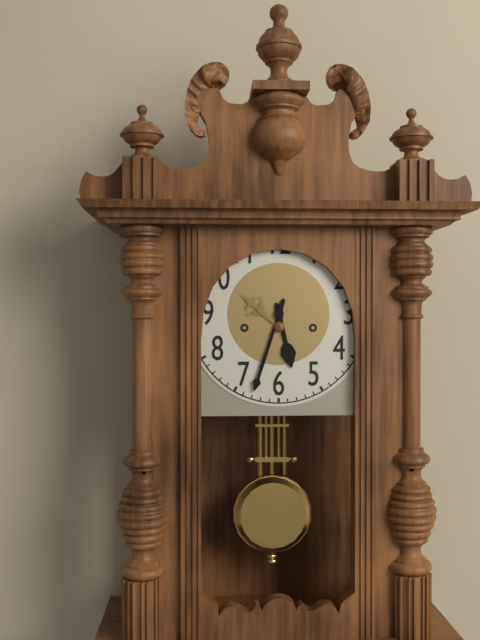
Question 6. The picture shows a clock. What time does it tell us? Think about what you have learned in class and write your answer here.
5:33
